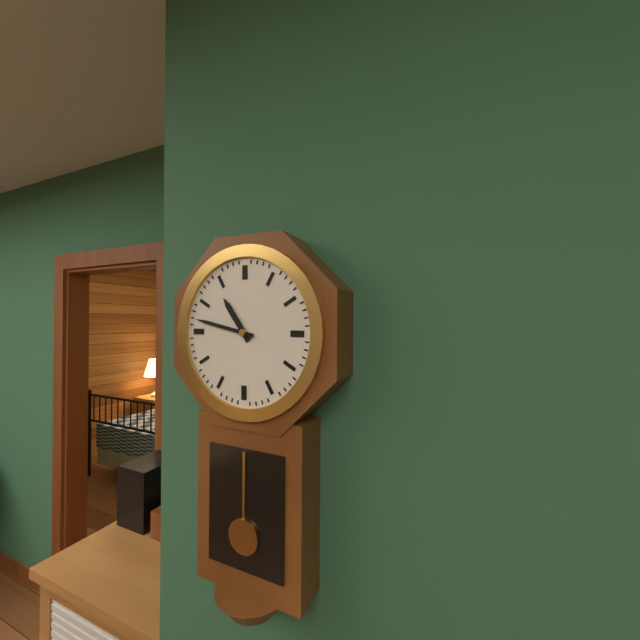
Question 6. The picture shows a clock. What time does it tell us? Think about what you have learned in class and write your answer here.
10:47
